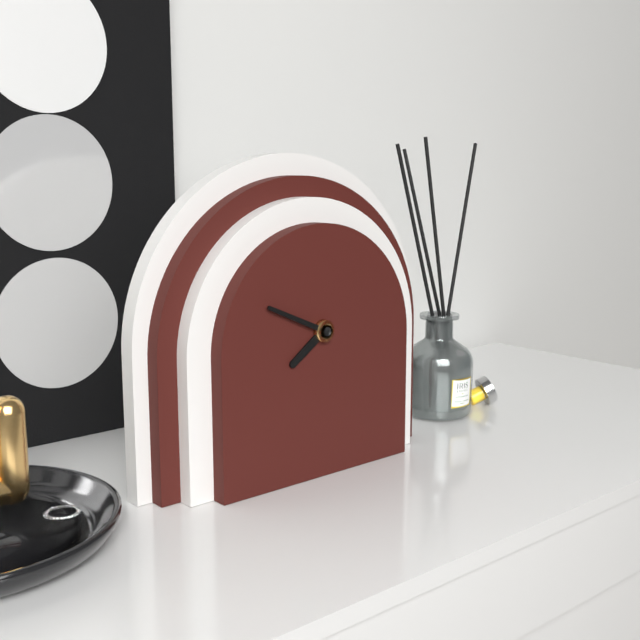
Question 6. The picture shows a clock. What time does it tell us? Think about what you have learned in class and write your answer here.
7:49
